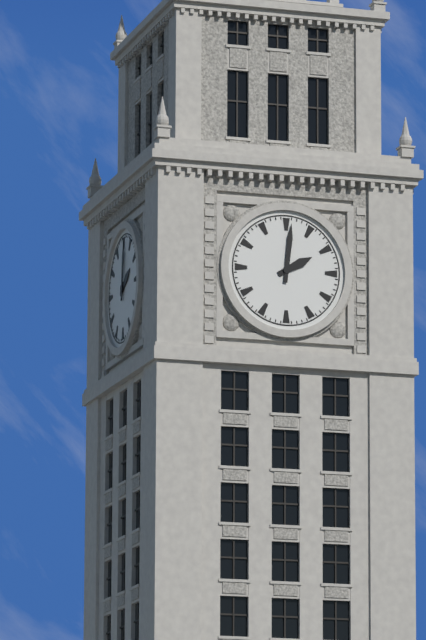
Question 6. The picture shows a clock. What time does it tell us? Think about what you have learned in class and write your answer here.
2:01
